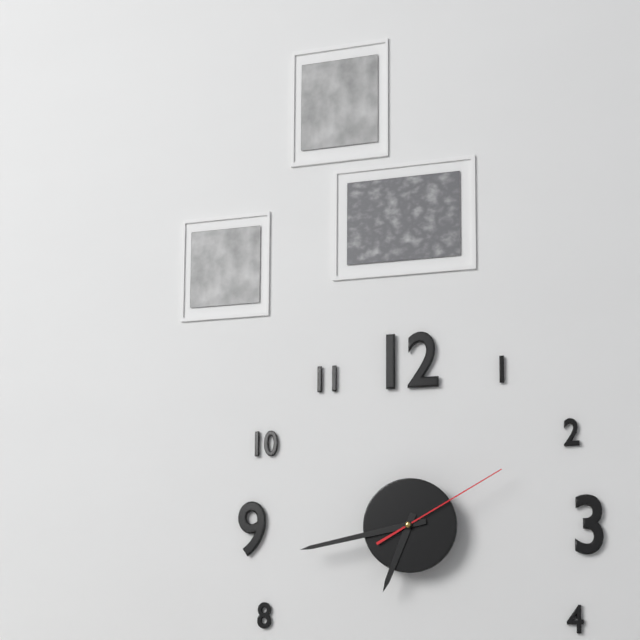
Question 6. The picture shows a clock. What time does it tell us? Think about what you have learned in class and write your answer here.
6:43:10
